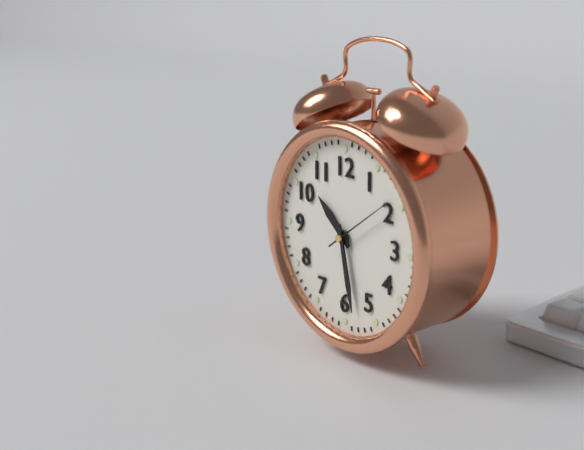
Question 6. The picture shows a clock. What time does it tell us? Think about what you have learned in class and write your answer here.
10:28:09
